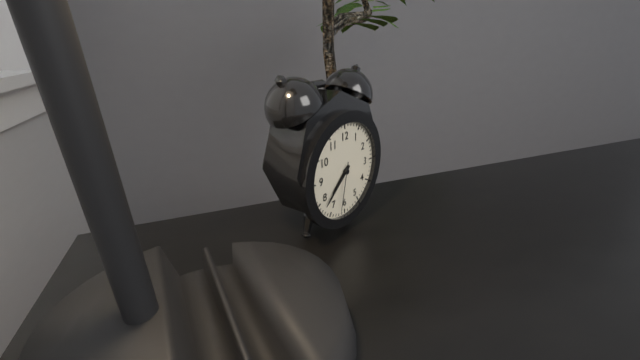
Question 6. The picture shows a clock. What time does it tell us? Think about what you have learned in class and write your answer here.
7:38:32
